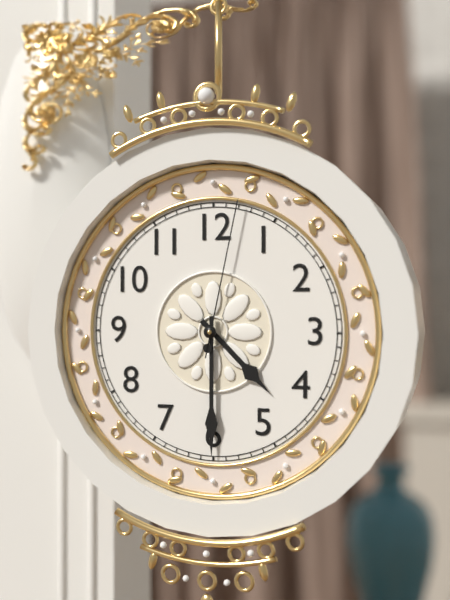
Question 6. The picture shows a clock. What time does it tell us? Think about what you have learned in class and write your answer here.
4:30:02
